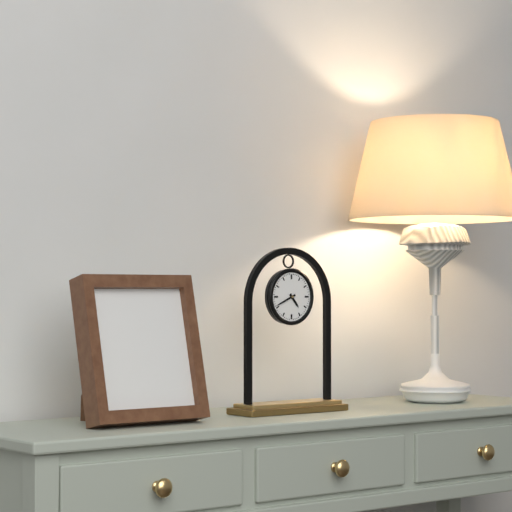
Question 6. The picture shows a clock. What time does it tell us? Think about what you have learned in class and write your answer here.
4:41
